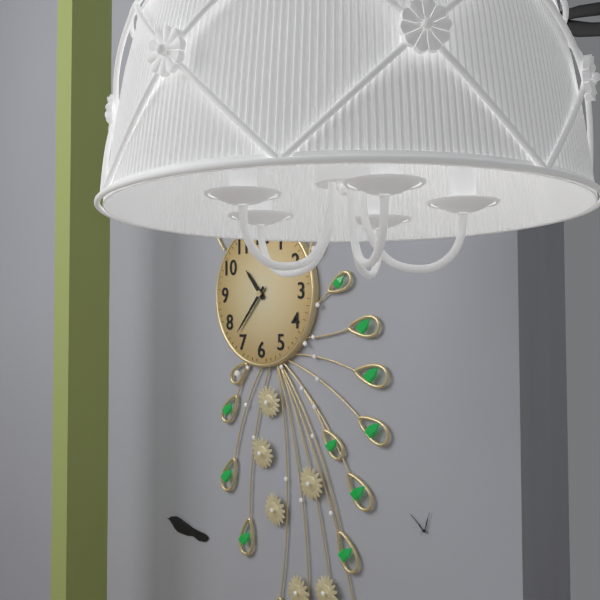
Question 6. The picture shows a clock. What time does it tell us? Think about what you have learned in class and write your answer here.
10:37
